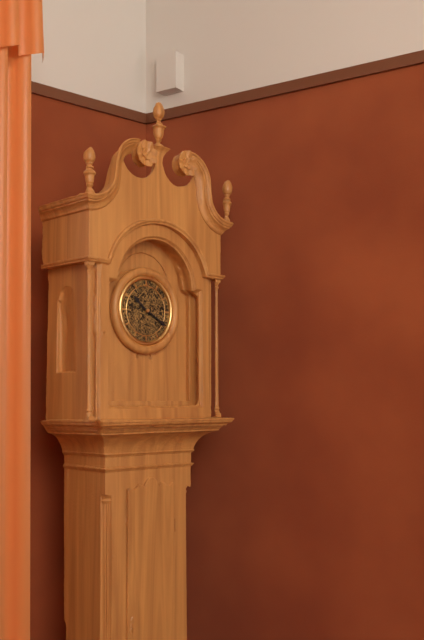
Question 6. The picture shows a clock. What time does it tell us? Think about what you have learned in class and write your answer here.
10:20
